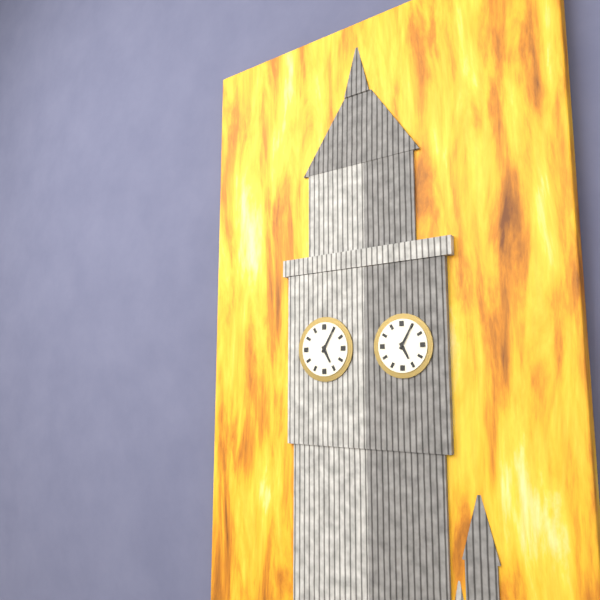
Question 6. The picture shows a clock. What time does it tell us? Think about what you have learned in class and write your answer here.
5:05
